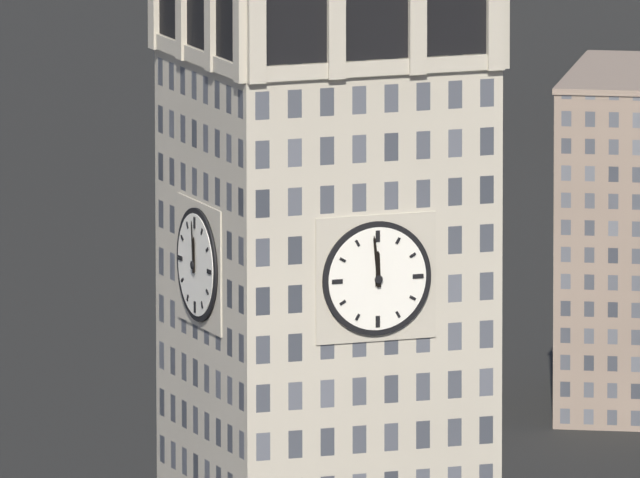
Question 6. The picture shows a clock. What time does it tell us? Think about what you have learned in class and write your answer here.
11:59
